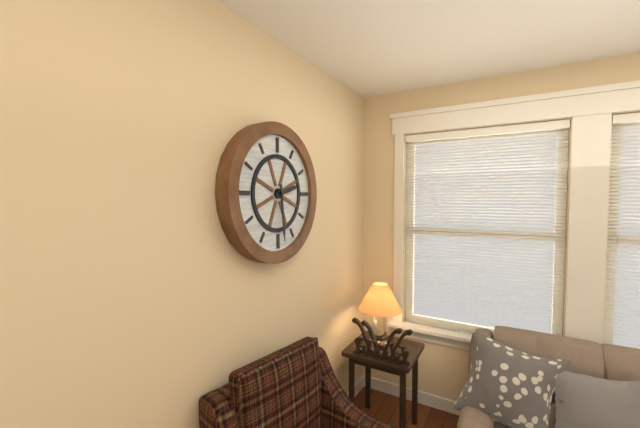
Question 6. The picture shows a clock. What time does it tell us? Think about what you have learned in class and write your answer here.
2:29
